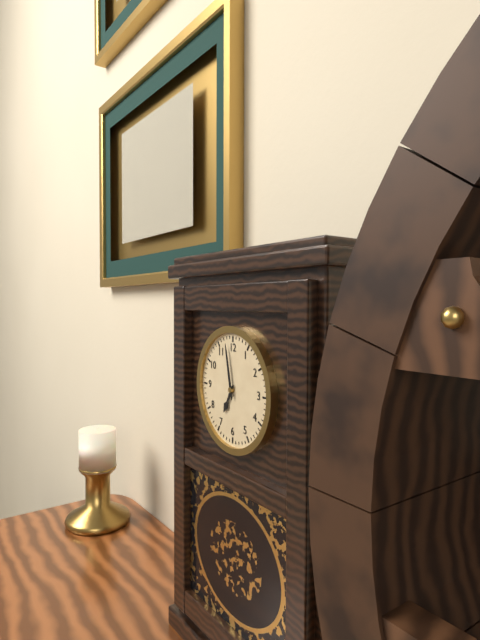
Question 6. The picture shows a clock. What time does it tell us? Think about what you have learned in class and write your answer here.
6:58
